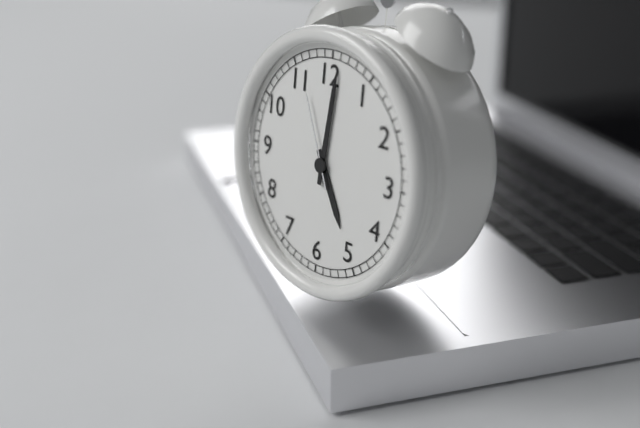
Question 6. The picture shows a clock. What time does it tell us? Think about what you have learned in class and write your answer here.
5:01:56
